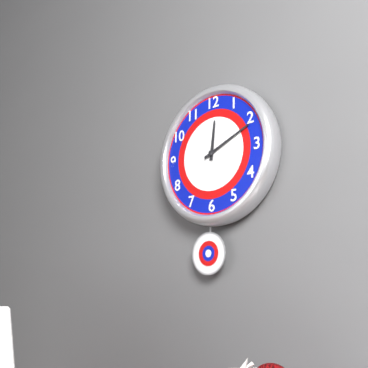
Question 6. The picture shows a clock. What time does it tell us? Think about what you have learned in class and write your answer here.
12:11
